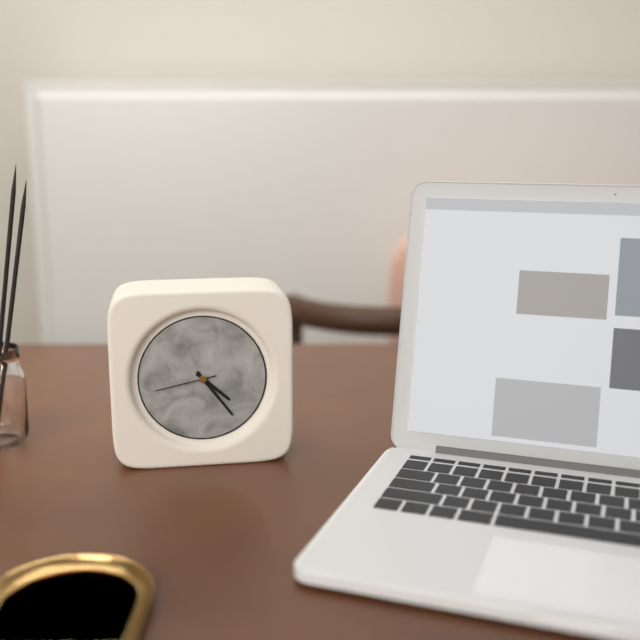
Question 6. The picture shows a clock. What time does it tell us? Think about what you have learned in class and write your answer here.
4:24:43
